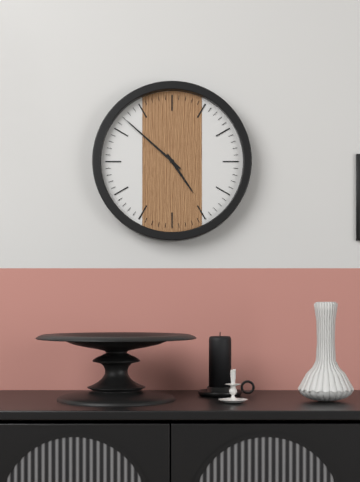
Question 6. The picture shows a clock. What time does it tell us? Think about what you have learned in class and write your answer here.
4:52
